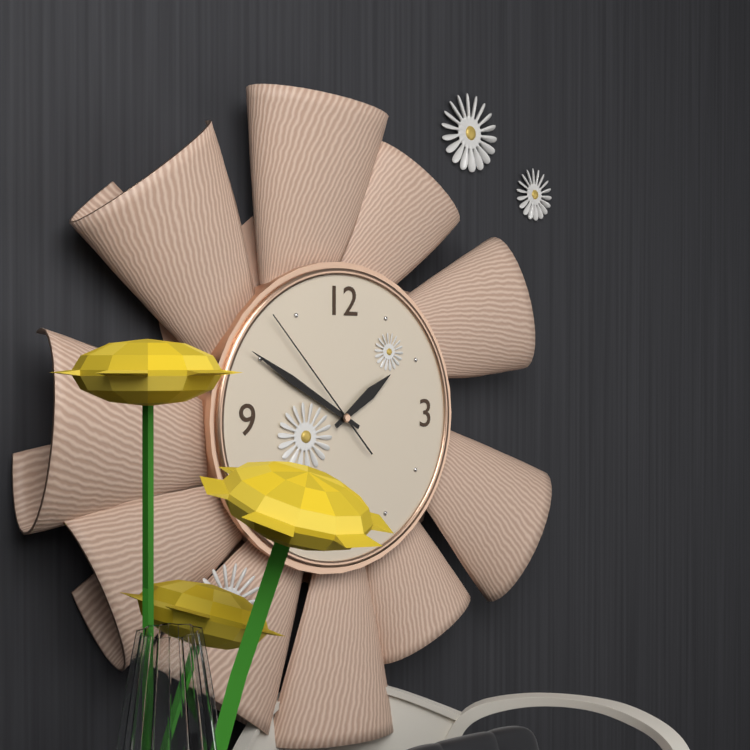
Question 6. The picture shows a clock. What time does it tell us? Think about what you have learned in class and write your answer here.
1:50:53
